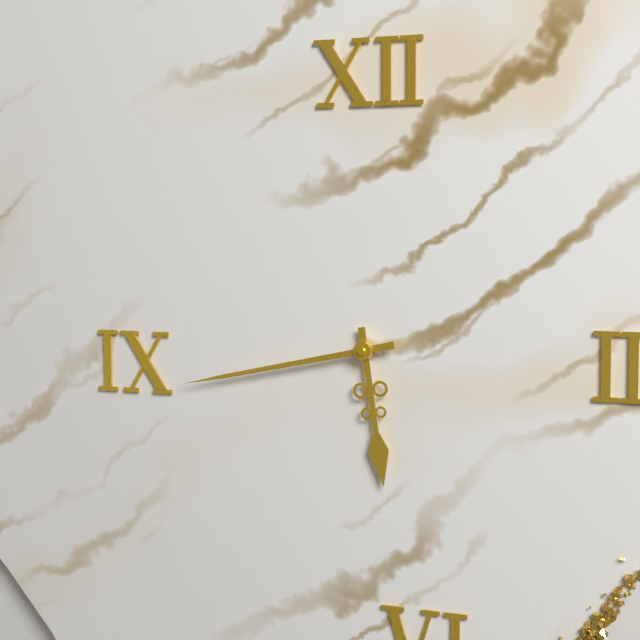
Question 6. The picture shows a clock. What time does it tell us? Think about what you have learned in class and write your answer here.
5:43
